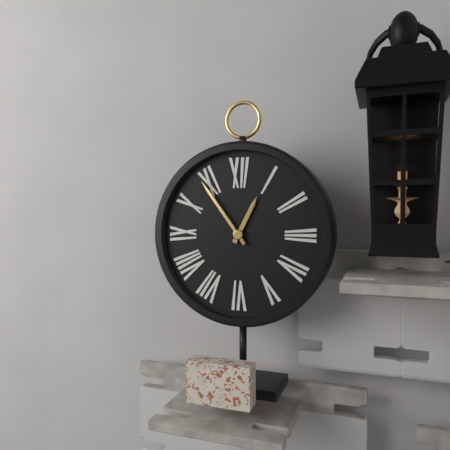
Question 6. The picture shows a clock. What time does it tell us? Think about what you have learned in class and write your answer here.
12:54
